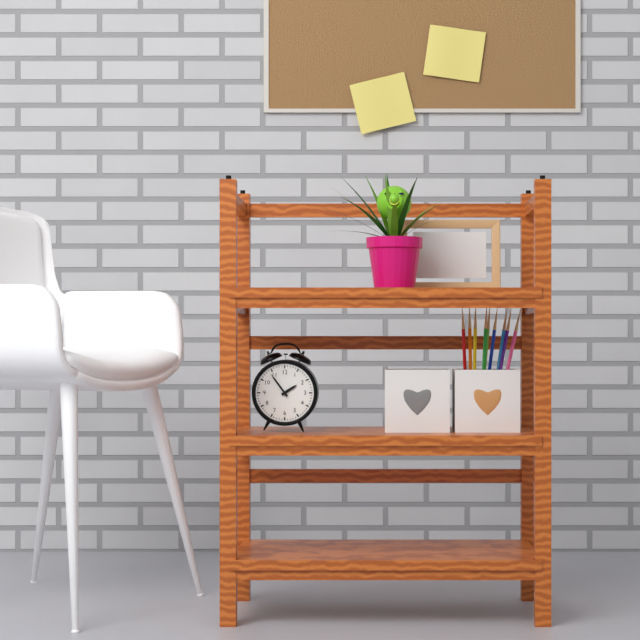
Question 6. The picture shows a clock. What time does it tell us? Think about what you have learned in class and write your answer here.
1:54
